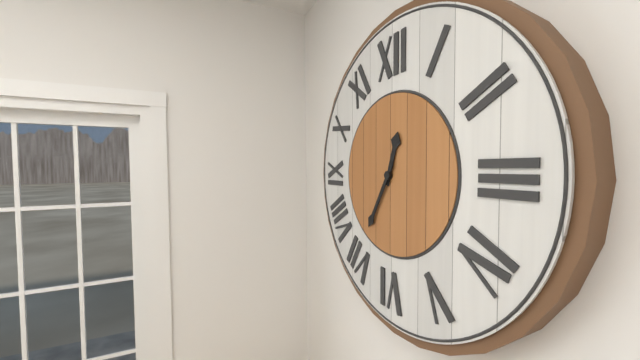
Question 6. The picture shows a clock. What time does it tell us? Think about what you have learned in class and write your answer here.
12:35
